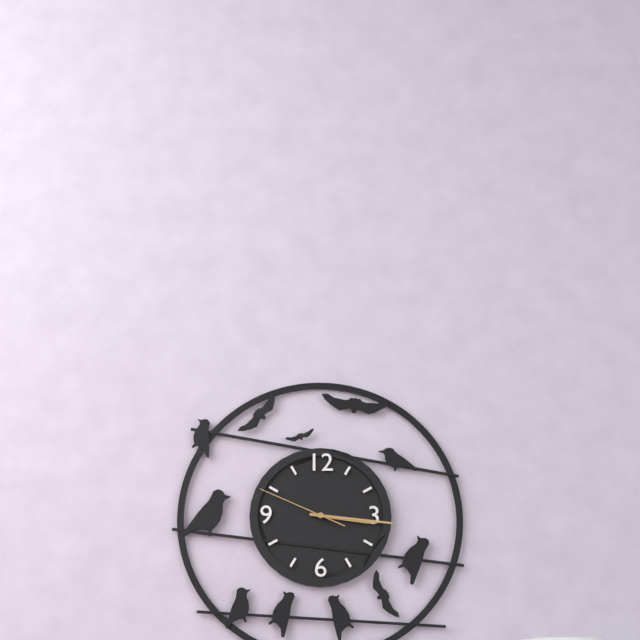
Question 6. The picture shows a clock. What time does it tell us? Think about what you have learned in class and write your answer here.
3:16:49
